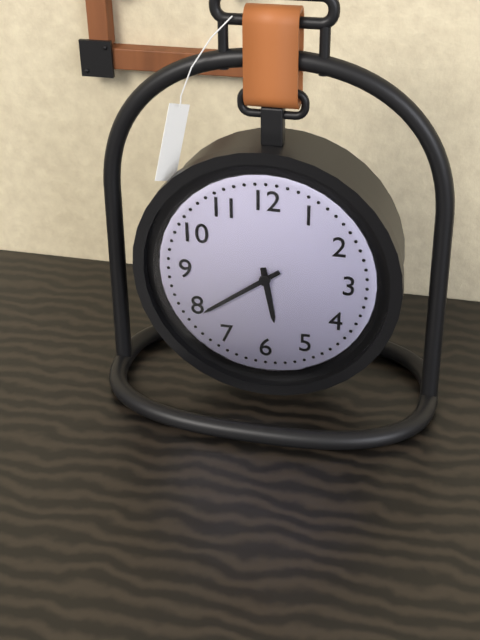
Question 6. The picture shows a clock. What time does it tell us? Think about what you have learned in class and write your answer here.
5:39
